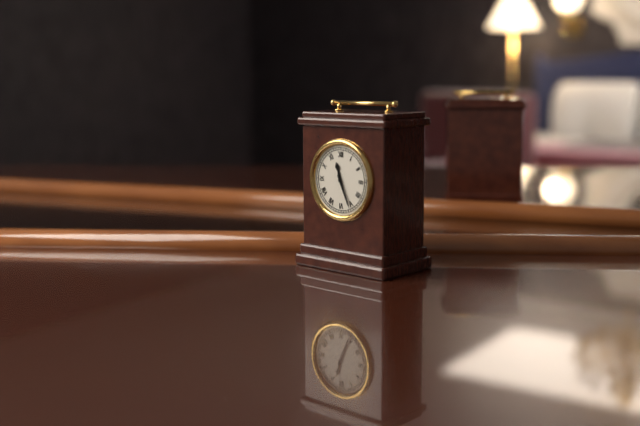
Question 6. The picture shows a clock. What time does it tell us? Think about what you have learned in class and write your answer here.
11:26
